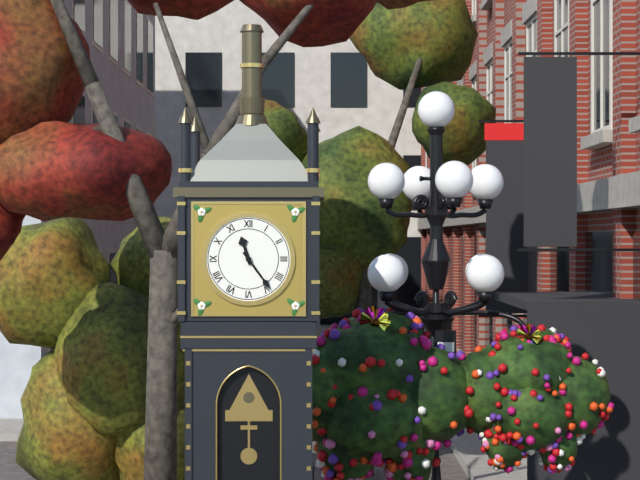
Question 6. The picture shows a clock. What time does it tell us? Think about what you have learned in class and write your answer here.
11:24
